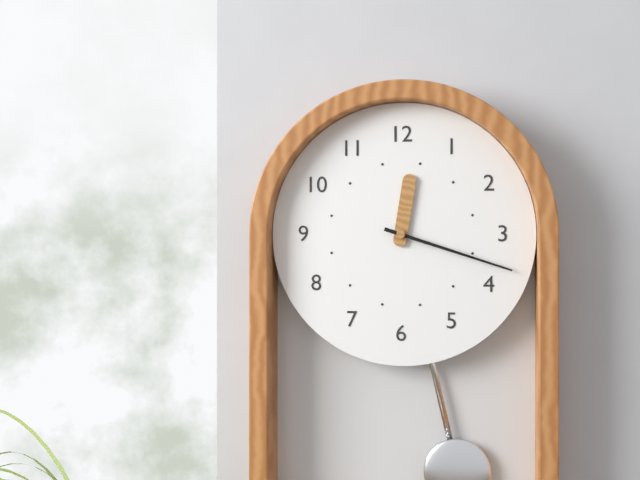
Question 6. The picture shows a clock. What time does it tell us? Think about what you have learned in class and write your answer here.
12:18
